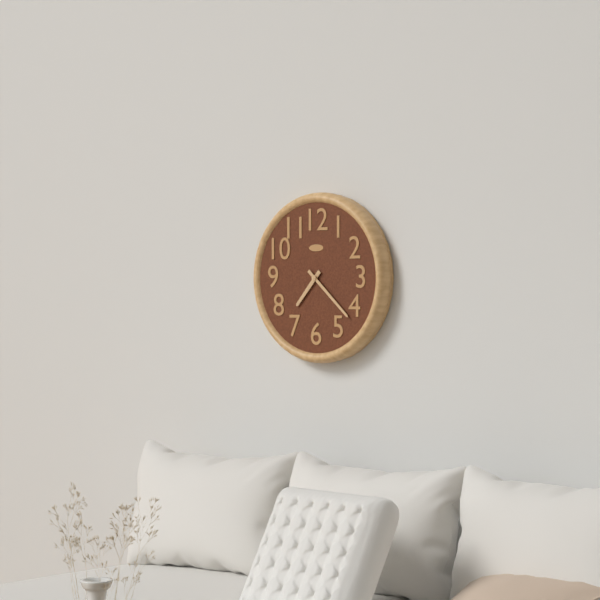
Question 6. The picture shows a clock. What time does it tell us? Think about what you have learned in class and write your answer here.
7:22
